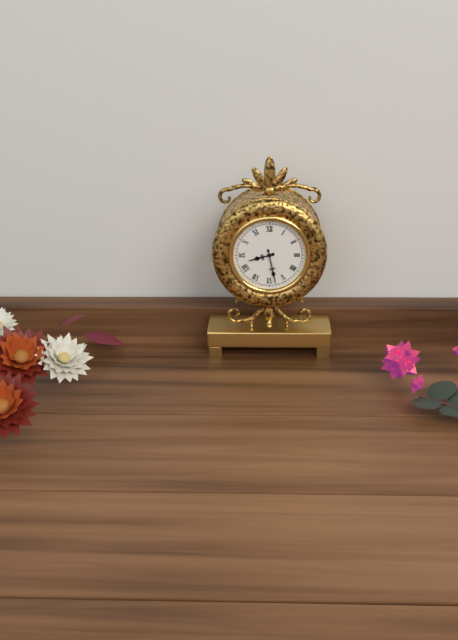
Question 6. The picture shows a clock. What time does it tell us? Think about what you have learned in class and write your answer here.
8:28
